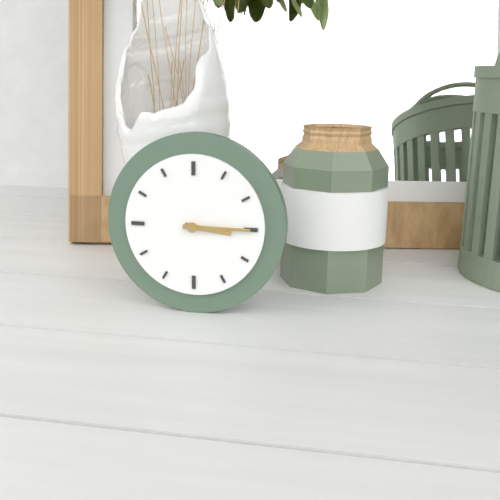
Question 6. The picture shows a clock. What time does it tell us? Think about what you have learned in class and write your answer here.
3:15
